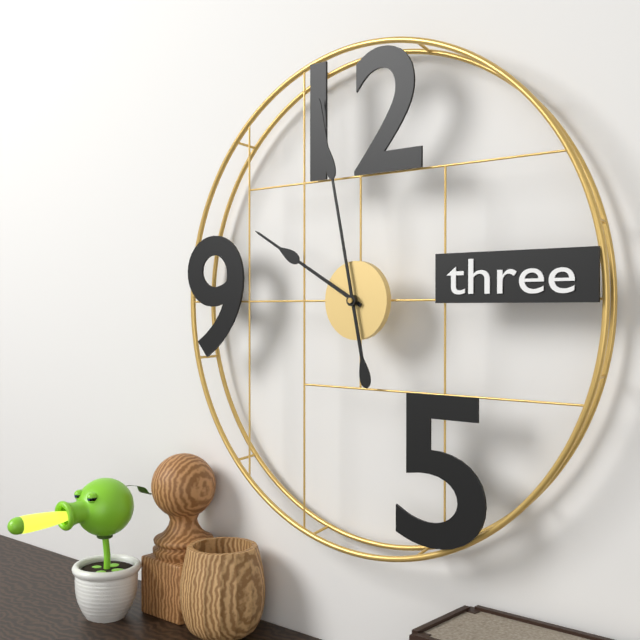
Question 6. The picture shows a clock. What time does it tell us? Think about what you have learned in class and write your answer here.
9:58
